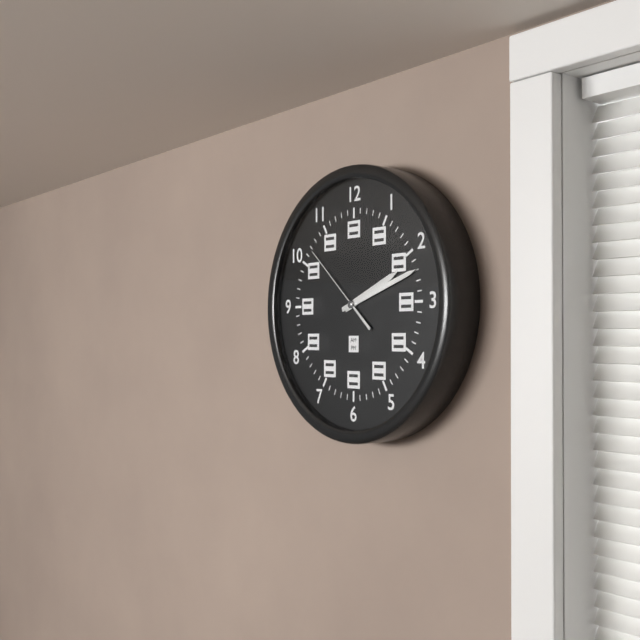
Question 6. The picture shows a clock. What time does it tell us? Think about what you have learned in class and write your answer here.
2:12:52
